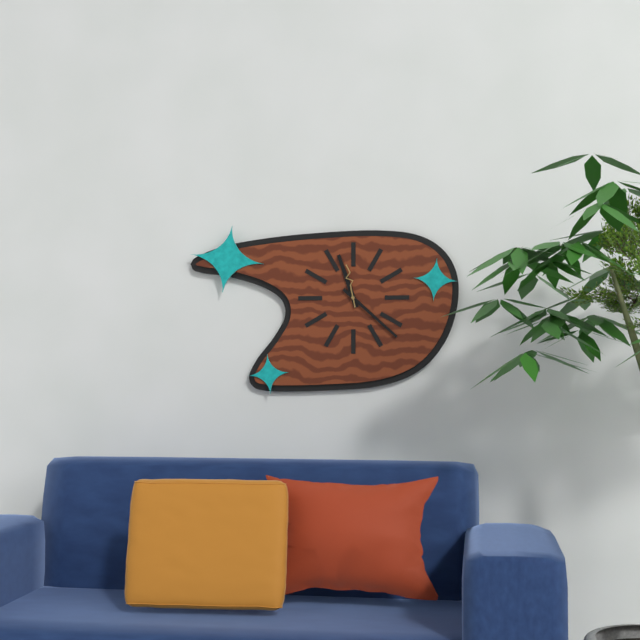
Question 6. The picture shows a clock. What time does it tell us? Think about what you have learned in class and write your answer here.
11:22
